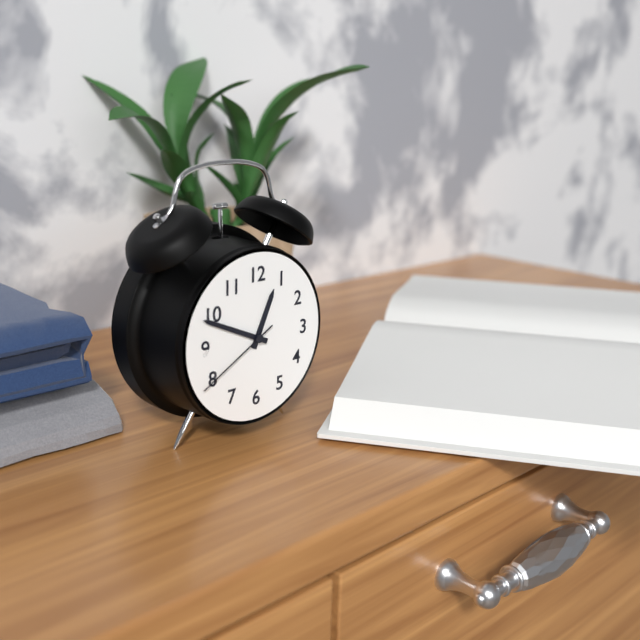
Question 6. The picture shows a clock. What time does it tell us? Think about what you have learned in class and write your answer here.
12:49:40
